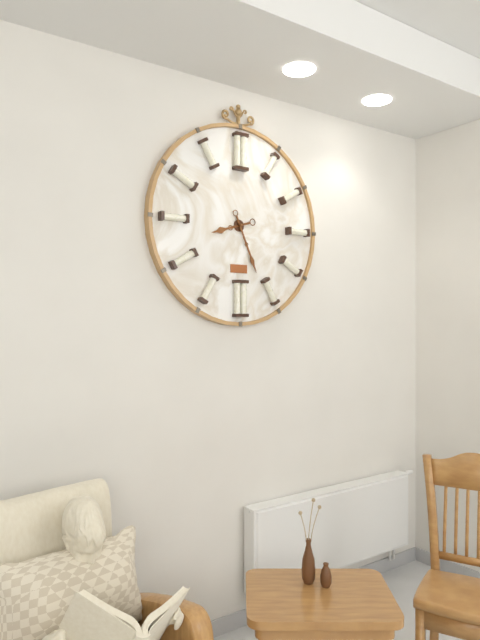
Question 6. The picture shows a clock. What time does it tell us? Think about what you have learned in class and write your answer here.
8:26
